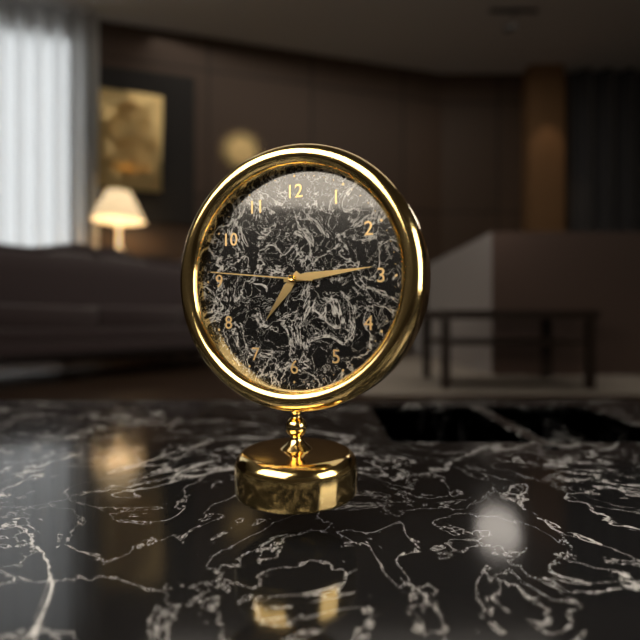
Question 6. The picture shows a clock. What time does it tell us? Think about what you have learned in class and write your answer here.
7:14:46
